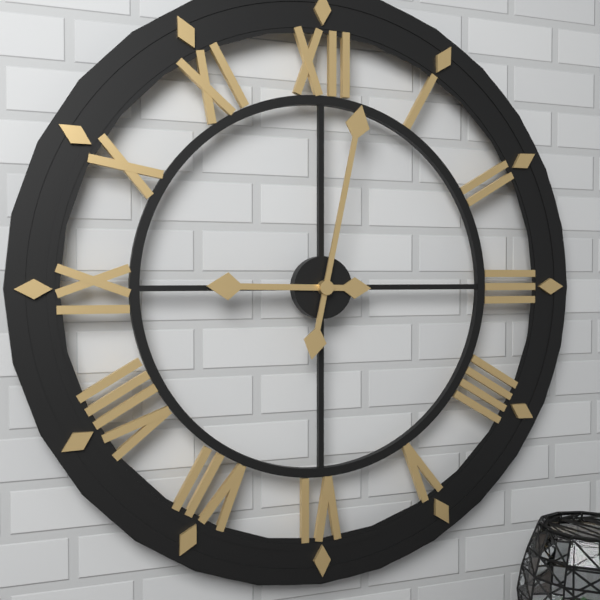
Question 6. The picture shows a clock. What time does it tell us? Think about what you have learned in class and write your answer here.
9:02
